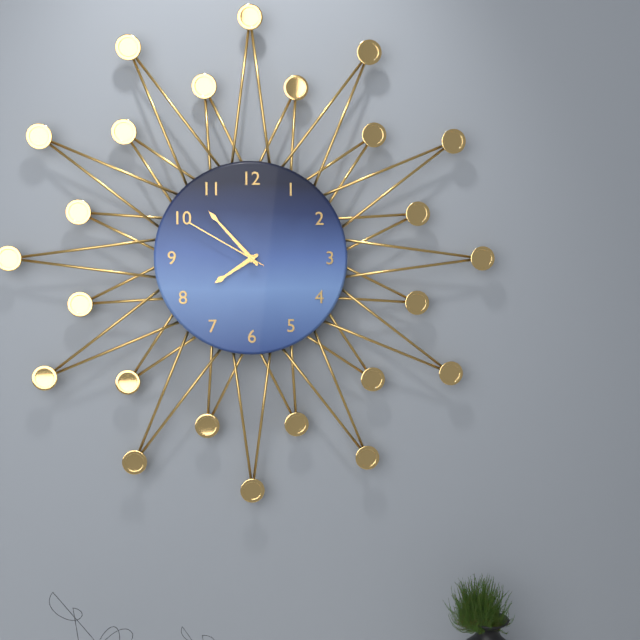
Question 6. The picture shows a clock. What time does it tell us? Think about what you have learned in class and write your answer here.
7:53:50
